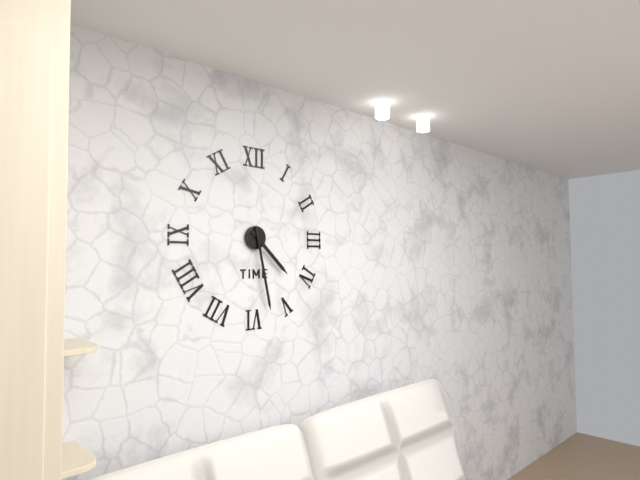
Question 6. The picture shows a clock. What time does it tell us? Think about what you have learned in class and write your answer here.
4:28
